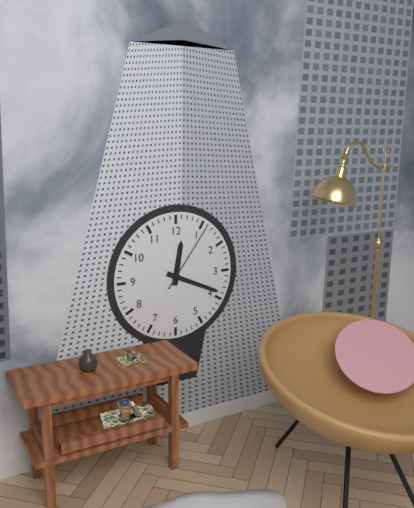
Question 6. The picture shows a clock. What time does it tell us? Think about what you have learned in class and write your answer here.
12:19:06
